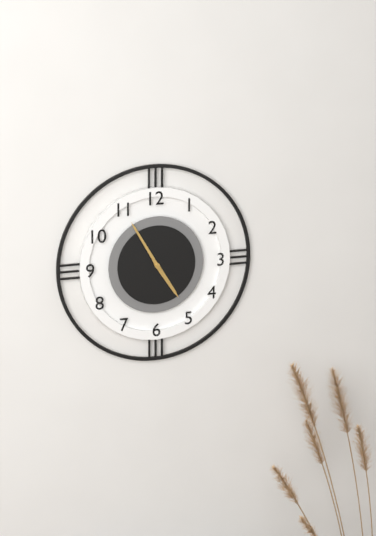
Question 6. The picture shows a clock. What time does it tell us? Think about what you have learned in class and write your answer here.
4:55
